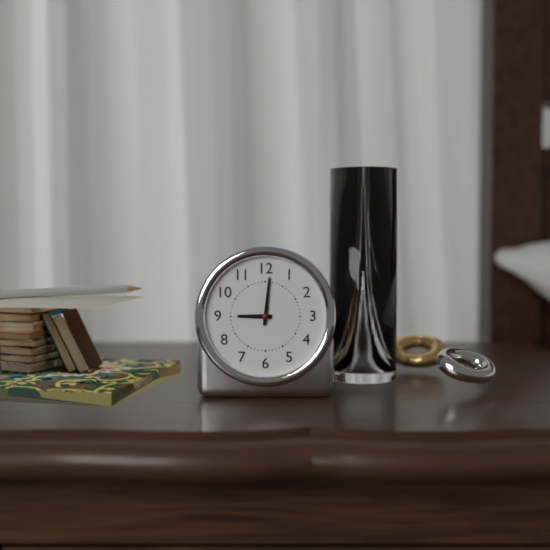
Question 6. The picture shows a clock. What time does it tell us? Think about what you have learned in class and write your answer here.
9:01
